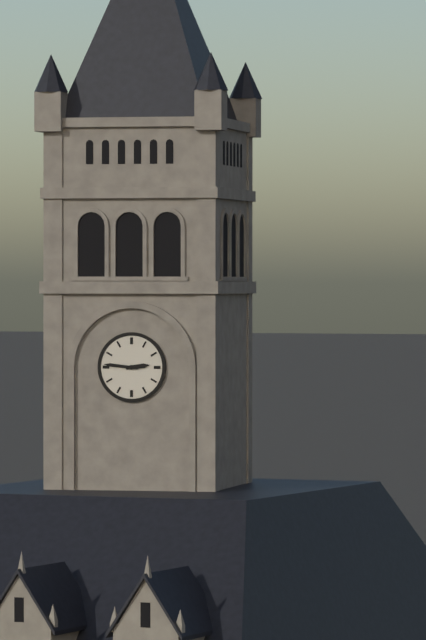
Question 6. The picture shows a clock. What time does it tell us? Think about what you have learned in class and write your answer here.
2:46
